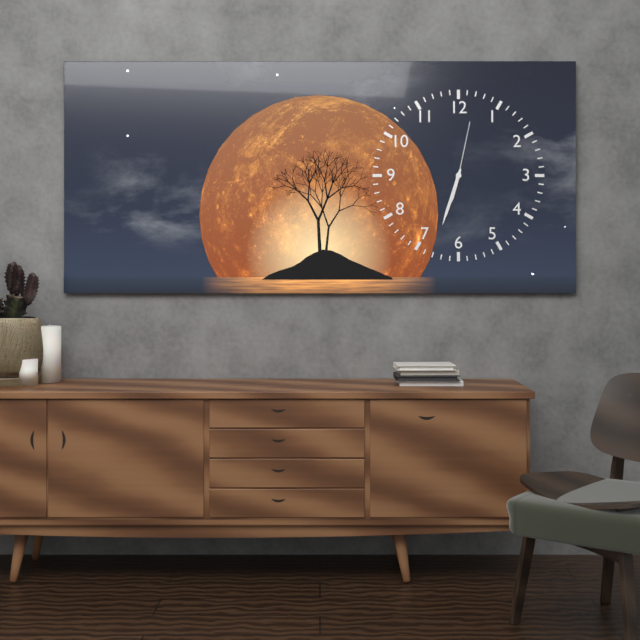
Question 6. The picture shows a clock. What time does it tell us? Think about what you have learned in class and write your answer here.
6:33:02
